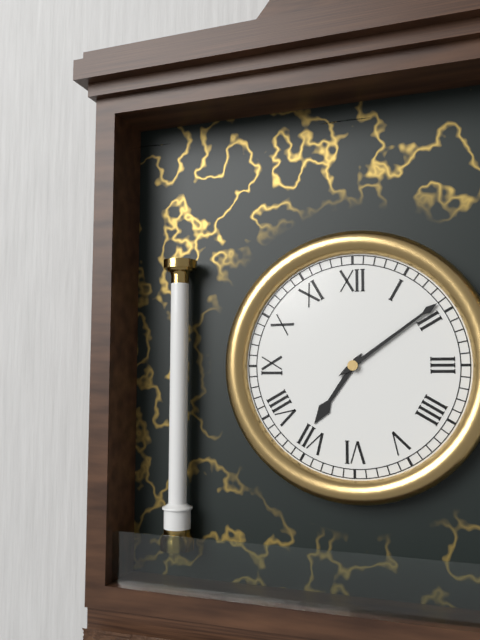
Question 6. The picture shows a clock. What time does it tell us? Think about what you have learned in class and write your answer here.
7:09
